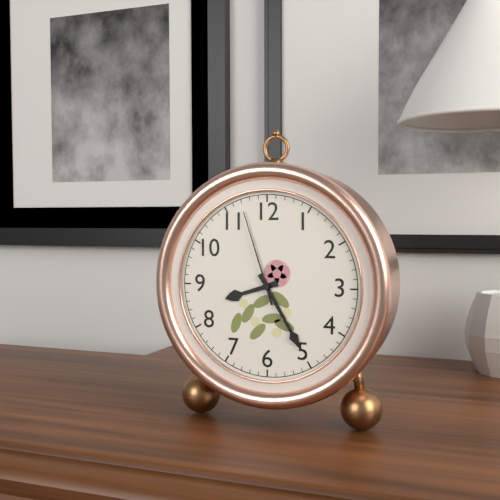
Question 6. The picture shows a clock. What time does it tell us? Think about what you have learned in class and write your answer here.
8:25:57
